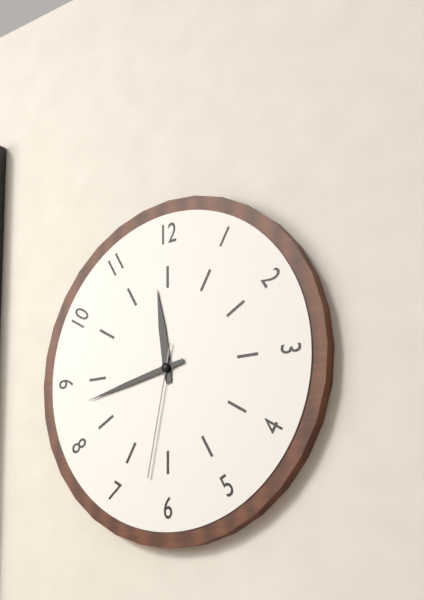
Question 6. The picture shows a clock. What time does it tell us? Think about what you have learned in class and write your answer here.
11:43:32
